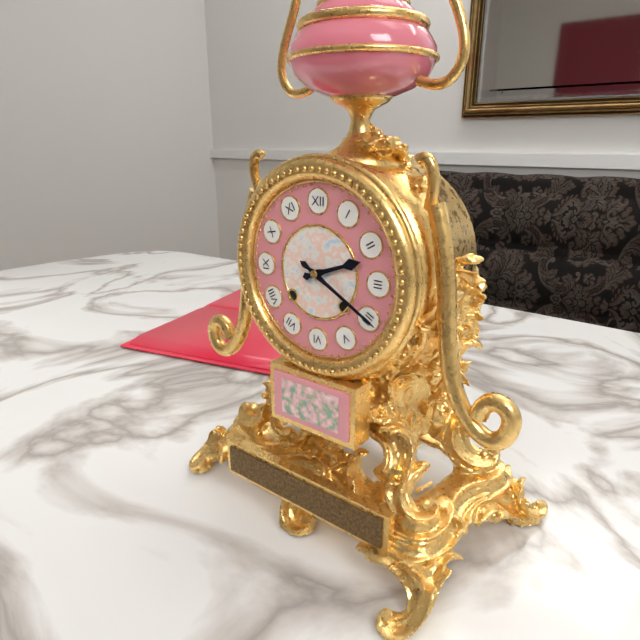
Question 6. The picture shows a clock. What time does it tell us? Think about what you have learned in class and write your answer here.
2:20
